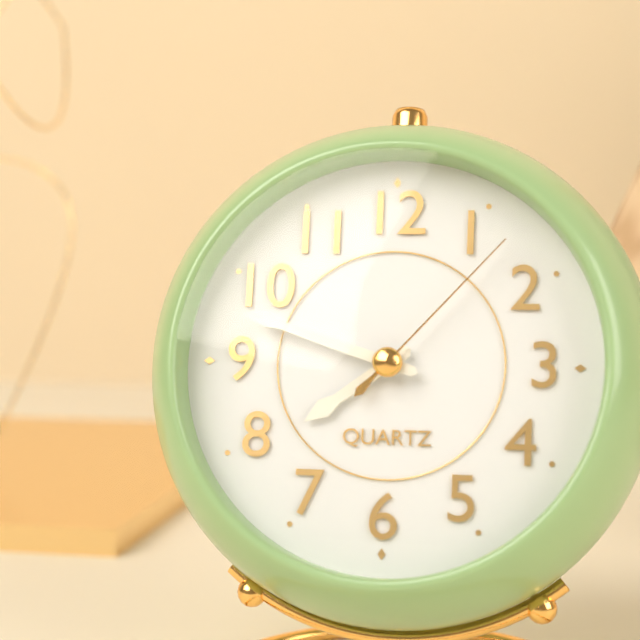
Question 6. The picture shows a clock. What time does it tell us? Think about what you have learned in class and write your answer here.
7:48:07
